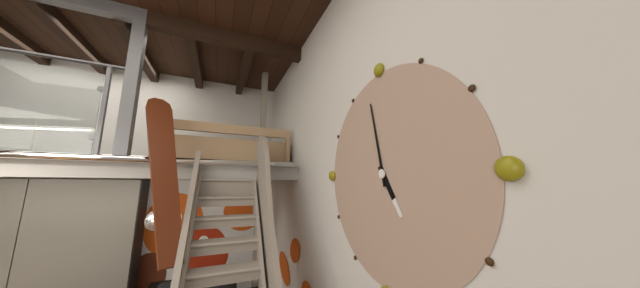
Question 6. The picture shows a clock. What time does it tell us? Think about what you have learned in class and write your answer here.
4:58
